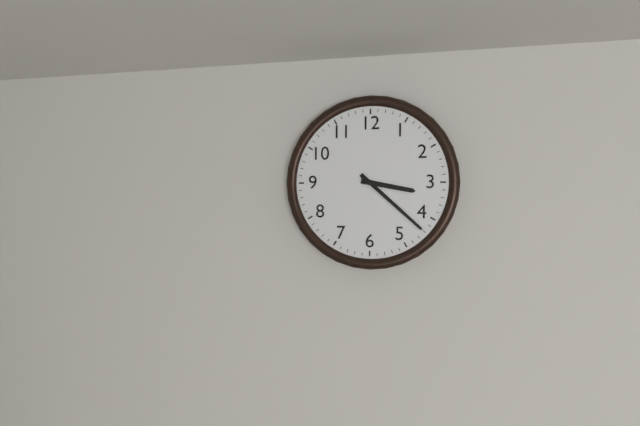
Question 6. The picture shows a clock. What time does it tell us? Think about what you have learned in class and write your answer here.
3:22
